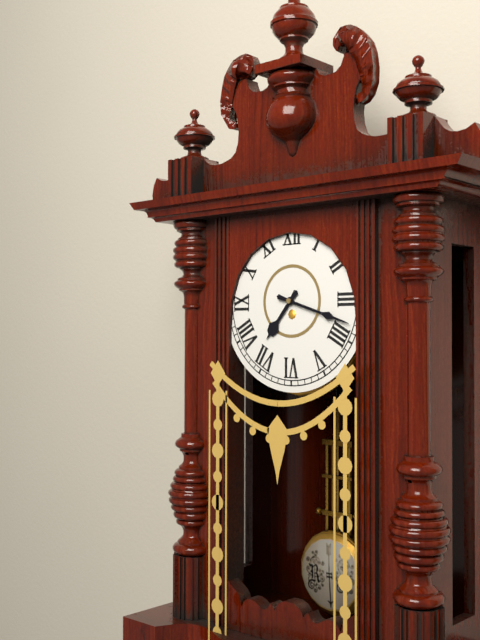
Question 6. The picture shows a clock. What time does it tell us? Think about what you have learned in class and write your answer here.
7:18
